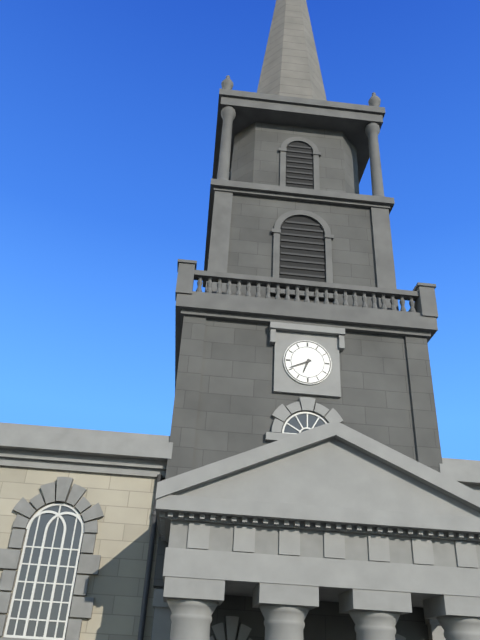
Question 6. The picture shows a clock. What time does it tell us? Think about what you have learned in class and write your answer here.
6:41
